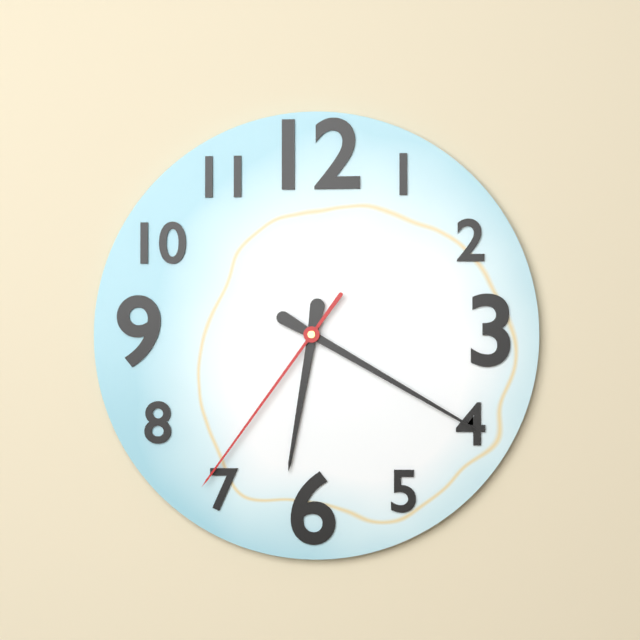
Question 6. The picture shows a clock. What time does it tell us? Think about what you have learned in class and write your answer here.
6:20:36
